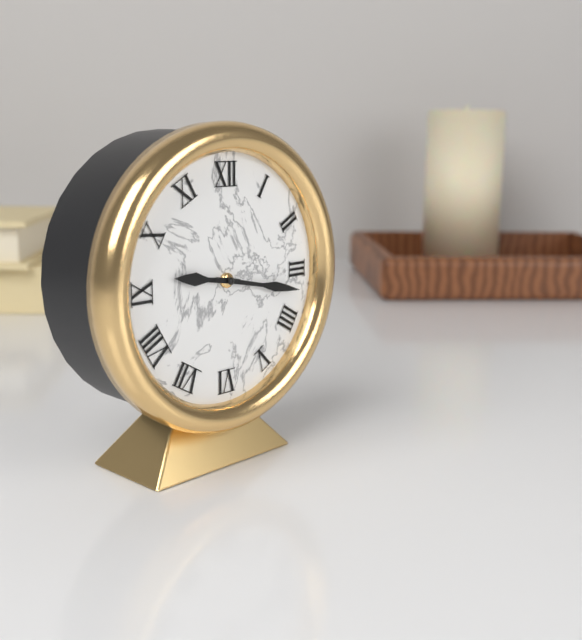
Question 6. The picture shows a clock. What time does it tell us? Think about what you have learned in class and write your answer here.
9:17
